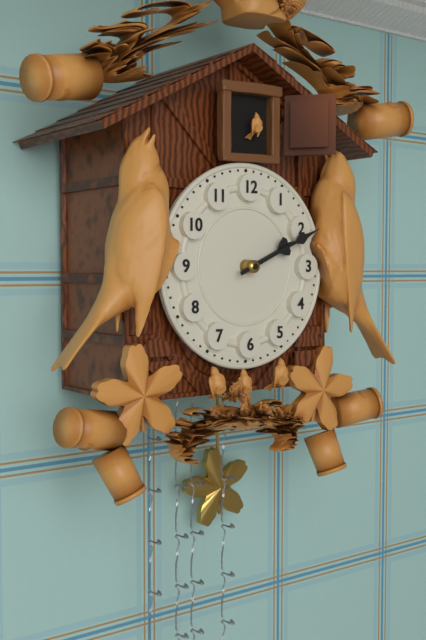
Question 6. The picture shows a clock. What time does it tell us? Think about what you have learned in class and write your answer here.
2:11
